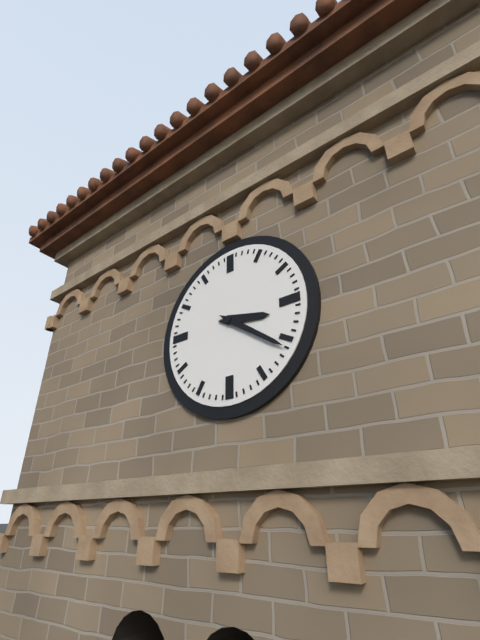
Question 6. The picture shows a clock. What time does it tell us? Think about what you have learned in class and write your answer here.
3:21
